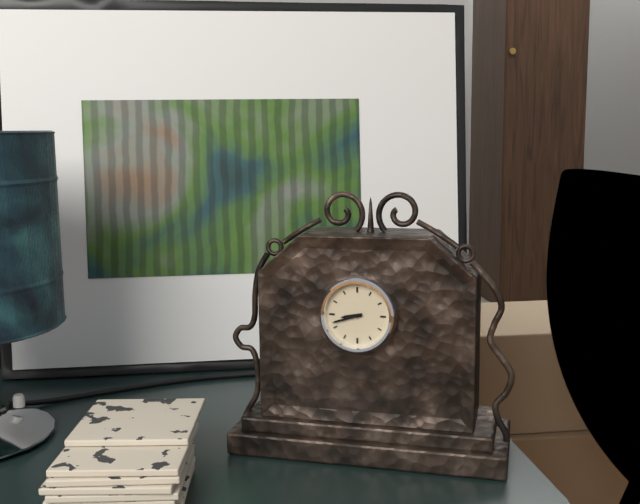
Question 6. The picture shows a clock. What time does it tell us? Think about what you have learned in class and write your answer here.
8:42
